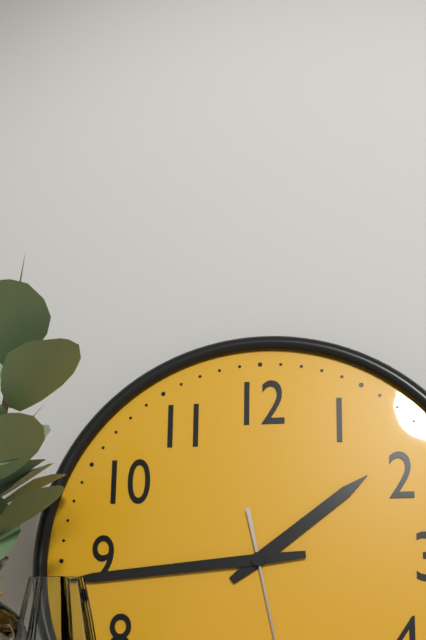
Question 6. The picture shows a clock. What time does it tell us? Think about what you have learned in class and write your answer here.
1:44
